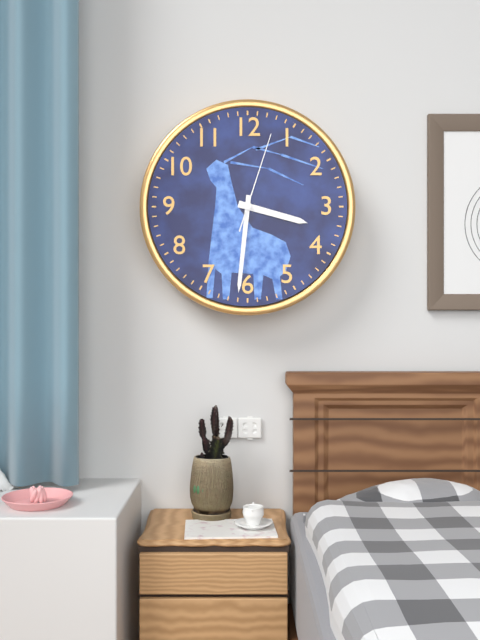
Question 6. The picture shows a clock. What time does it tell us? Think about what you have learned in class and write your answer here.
3:31:03
